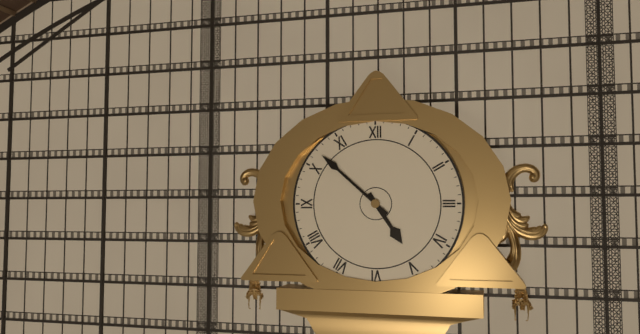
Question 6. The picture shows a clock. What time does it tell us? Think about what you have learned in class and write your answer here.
4:52
